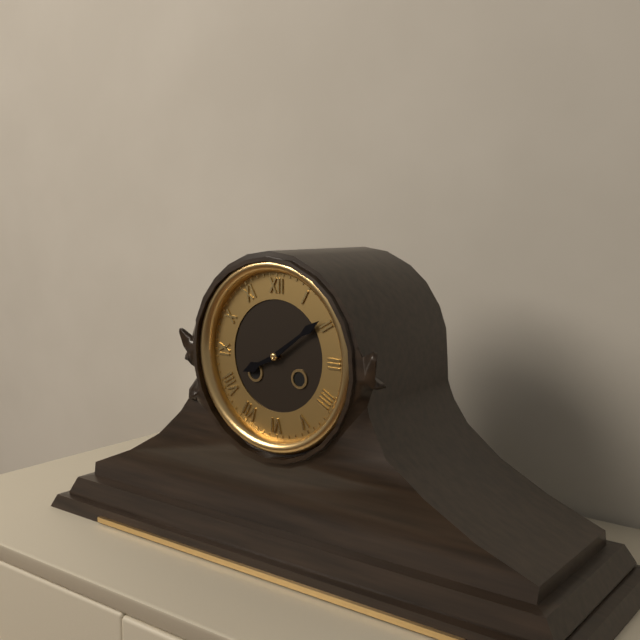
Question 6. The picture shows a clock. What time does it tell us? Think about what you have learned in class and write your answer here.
8:09
